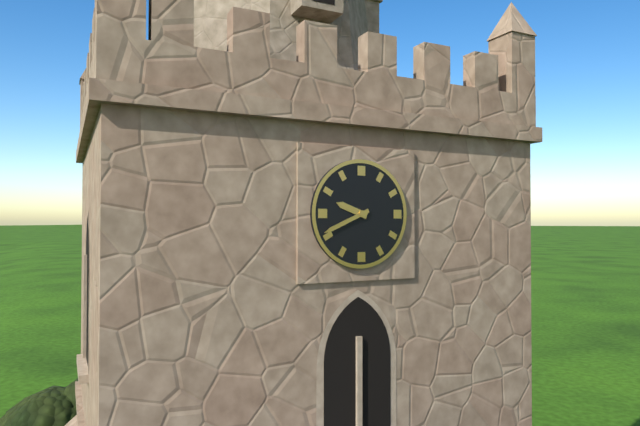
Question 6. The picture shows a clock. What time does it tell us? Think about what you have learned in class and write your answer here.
9:41
